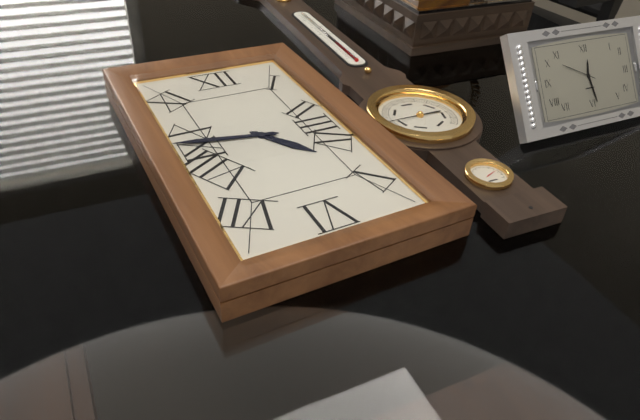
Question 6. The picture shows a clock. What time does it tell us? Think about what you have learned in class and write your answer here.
4:47
